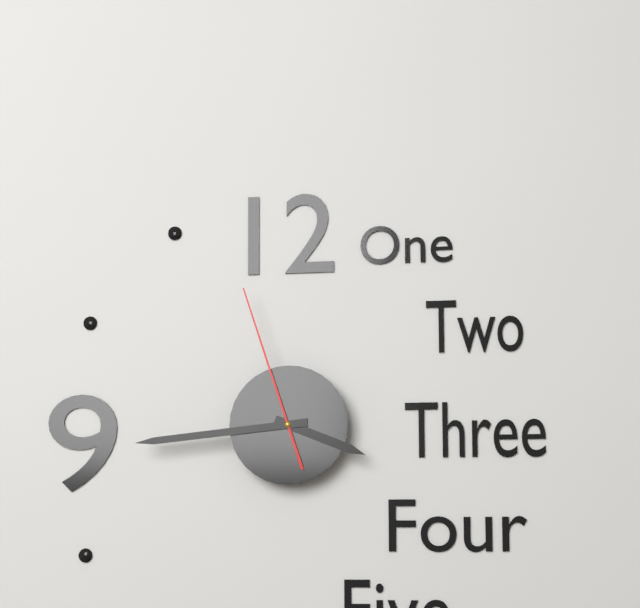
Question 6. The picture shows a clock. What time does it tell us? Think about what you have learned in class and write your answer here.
3:44:57
